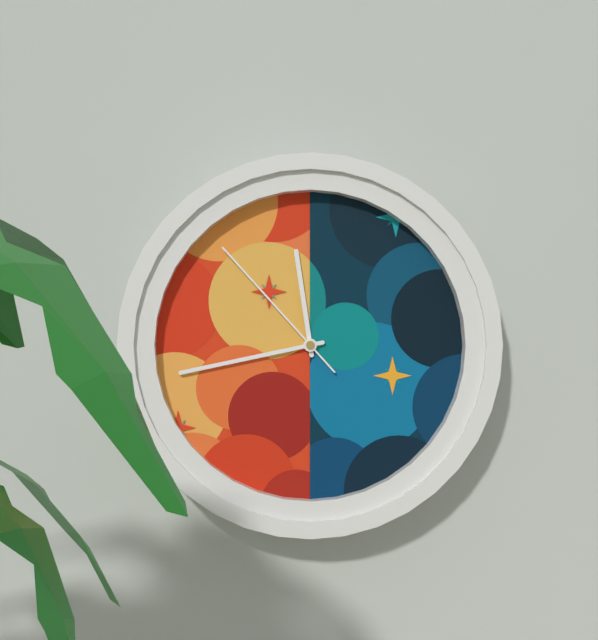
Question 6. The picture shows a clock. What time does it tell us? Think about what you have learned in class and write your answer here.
11:43:53
